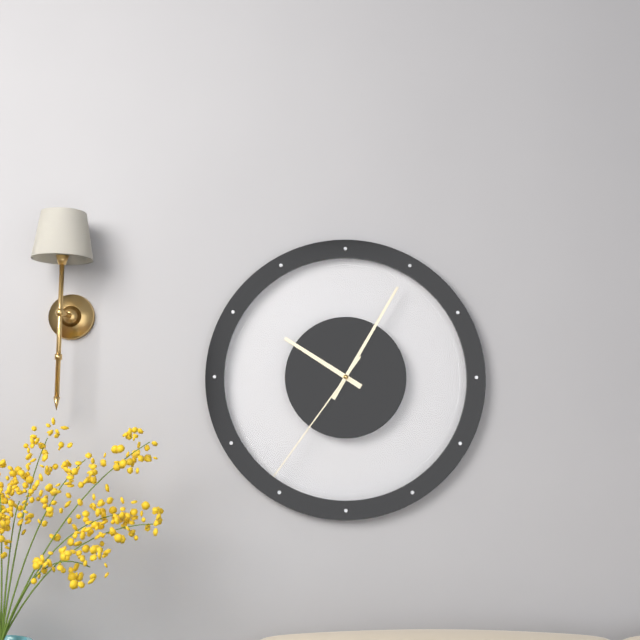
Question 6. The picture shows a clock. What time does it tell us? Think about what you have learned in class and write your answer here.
10:05:36
